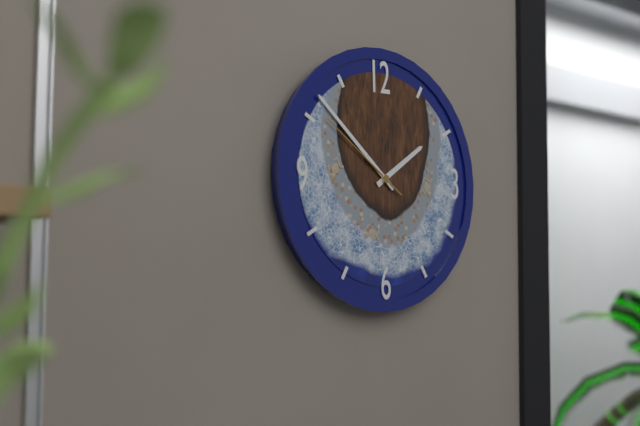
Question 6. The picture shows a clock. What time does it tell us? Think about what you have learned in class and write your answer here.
1:52:51
